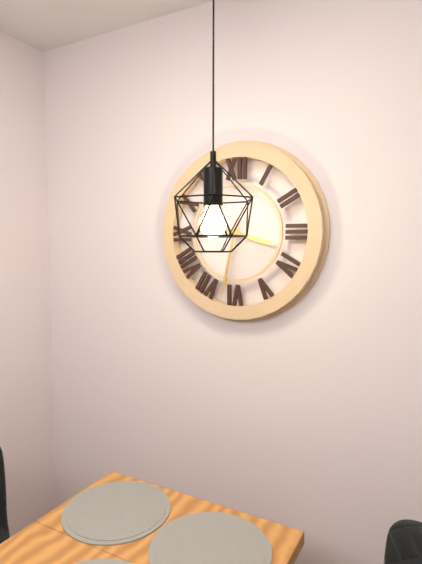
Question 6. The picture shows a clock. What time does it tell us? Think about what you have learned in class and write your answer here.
3:32
